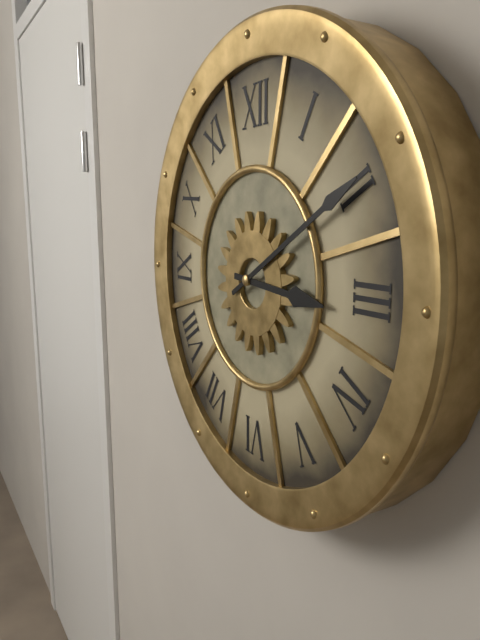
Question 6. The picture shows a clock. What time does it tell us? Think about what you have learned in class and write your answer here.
3:10
